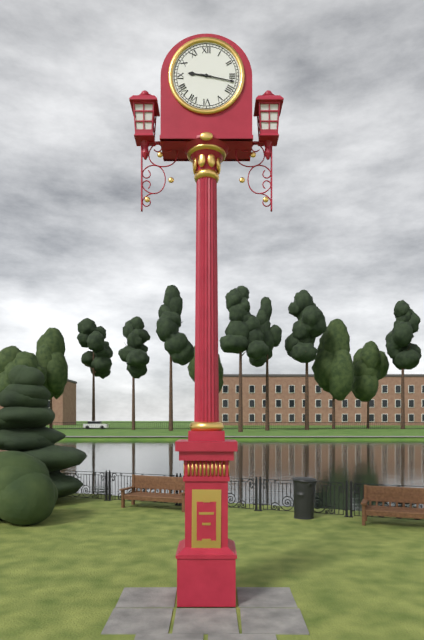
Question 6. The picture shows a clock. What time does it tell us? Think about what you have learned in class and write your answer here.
9:17
